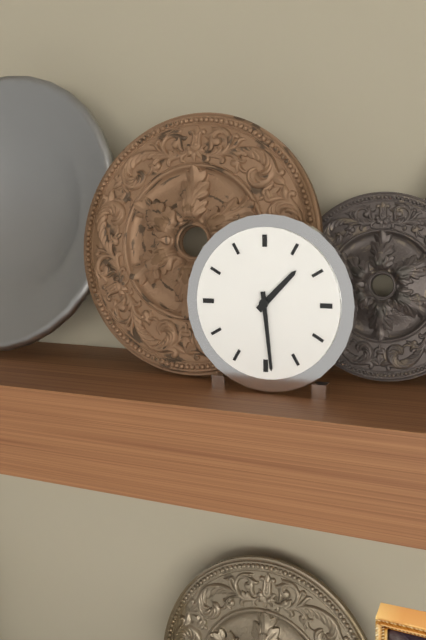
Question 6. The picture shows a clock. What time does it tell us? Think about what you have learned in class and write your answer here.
1:29
